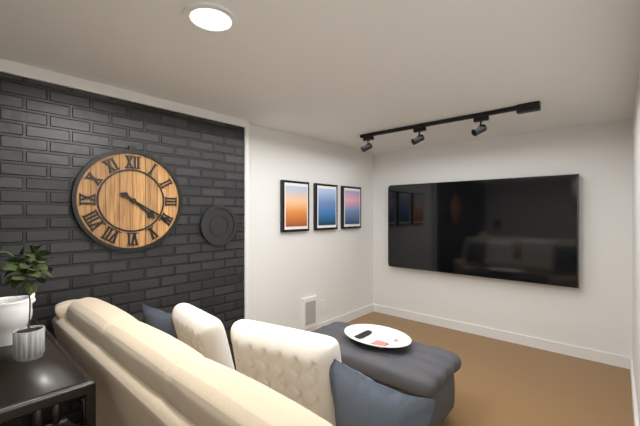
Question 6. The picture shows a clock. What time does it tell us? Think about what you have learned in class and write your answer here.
4:20
